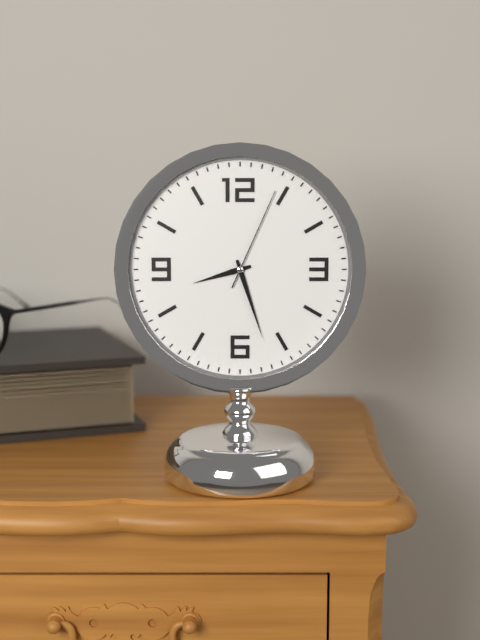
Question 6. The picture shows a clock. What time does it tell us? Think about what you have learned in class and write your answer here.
8:27:04
